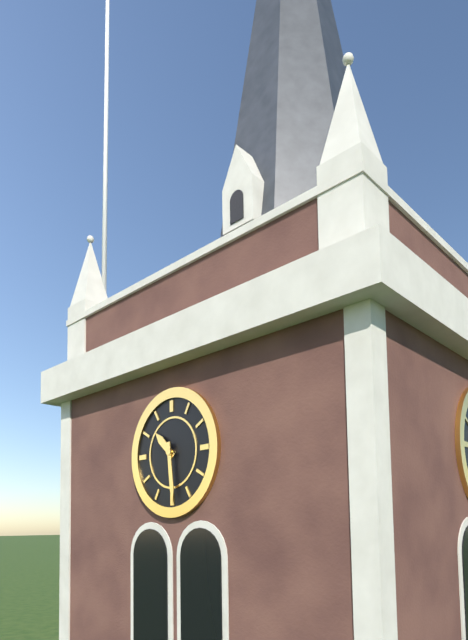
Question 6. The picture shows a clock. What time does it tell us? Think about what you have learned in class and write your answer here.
10:29
